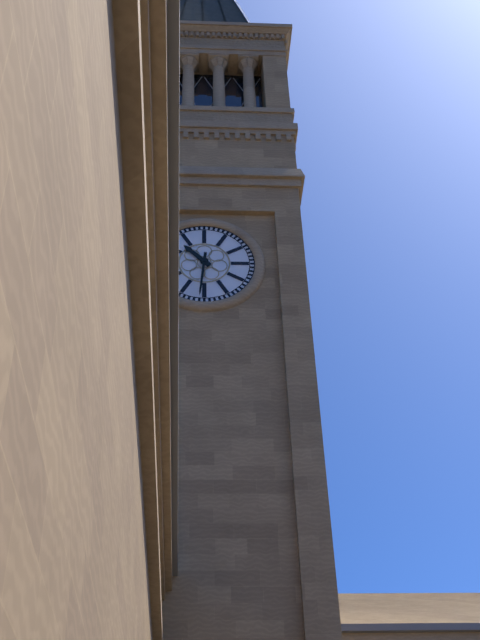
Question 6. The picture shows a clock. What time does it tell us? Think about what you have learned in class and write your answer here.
10:31
